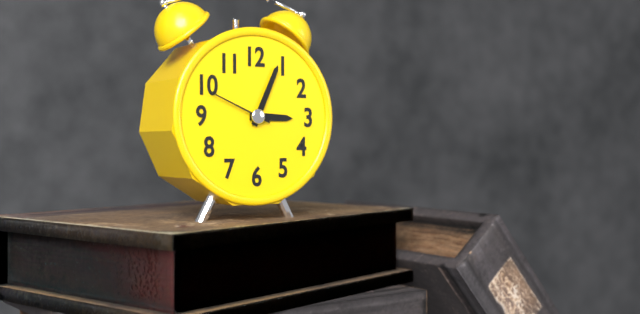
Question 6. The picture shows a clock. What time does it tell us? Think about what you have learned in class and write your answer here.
3:04:49
